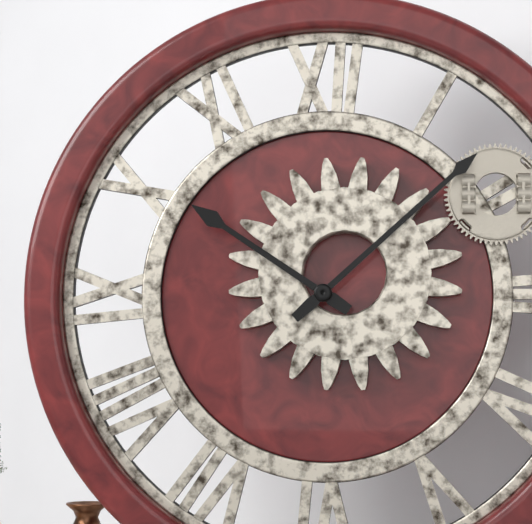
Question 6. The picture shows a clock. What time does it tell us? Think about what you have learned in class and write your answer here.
10:08
